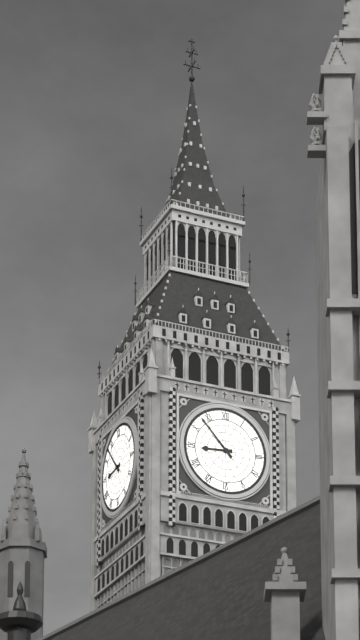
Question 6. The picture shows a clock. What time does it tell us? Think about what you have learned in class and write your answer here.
8:53
